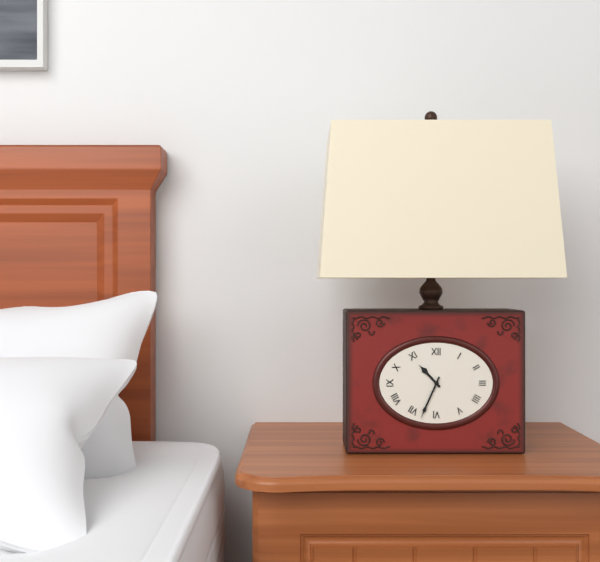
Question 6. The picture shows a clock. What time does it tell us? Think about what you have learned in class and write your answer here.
10:34
